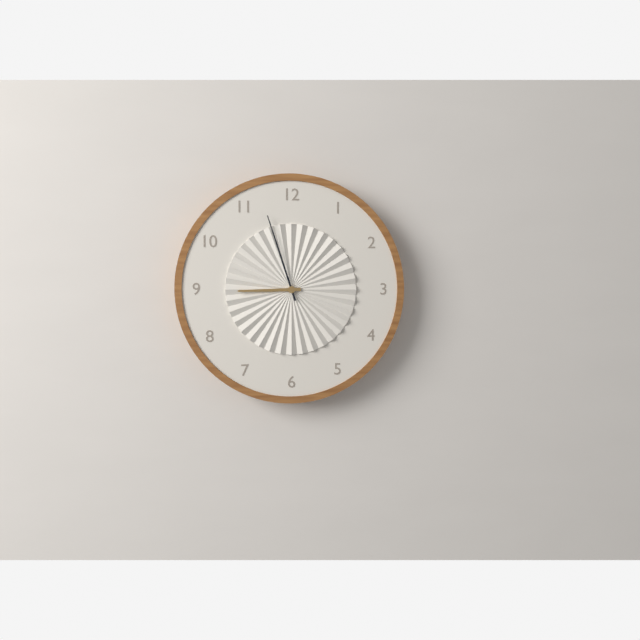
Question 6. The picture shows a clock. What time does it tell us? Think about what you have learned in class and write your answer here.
8:57
